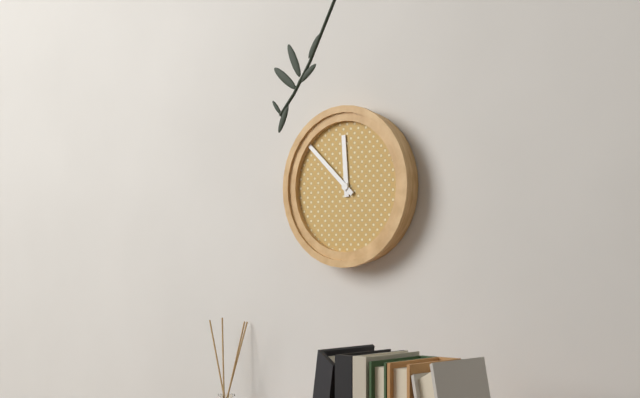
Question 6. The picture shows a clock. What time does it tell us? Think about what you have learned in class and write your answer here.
11:52
